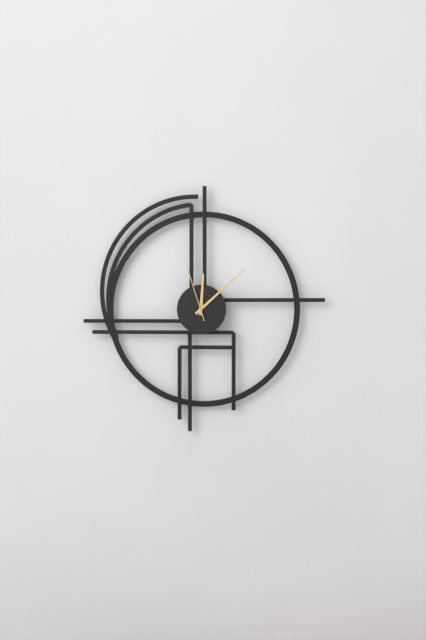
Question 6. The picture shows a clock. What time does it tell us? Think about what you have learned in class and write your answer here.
12:08:57
